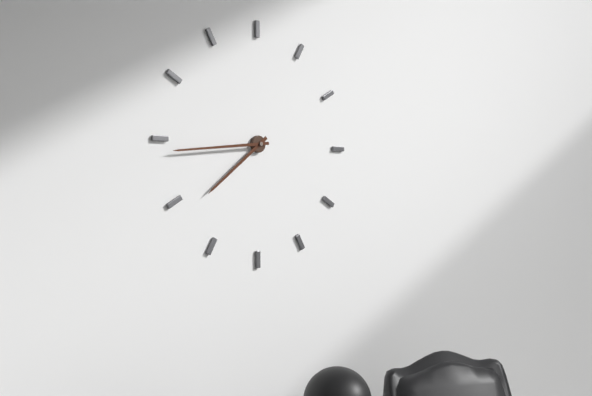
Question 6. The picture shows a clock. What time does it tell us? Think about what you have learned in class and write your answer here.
7:44
